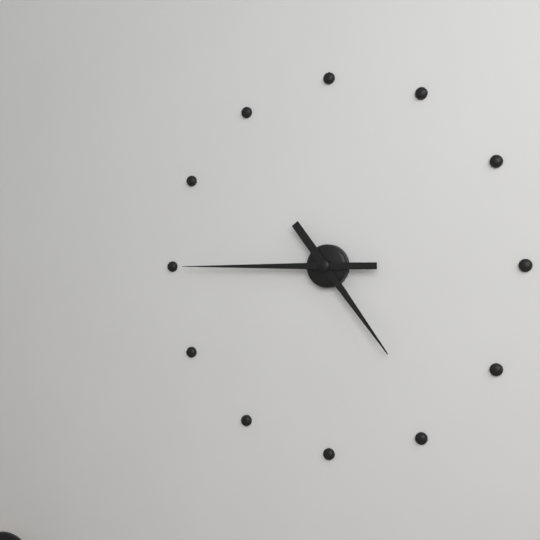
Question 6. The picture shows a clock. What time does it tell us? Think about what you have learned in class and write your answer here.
4:45
